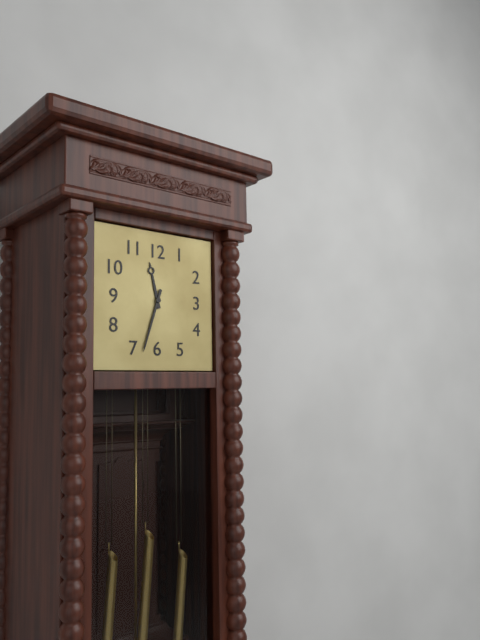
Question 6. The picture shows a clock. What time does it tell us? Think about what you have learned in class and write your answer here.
11:33
